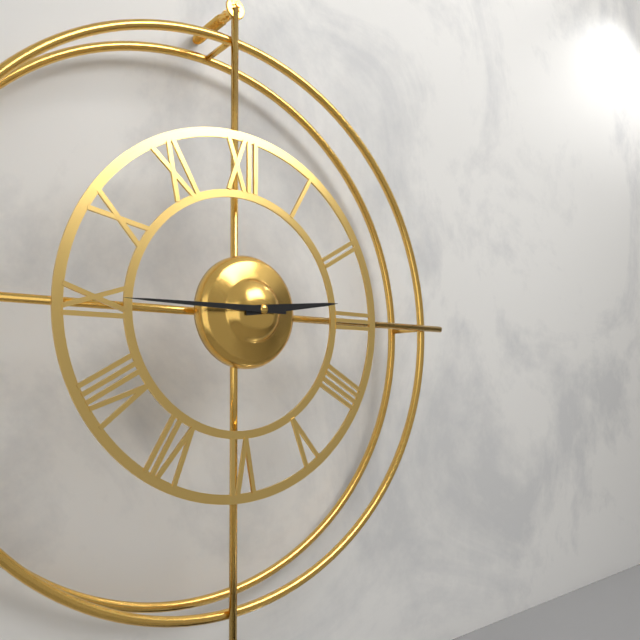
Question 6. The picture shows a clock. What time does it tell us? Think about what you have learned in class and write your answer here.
2:45
